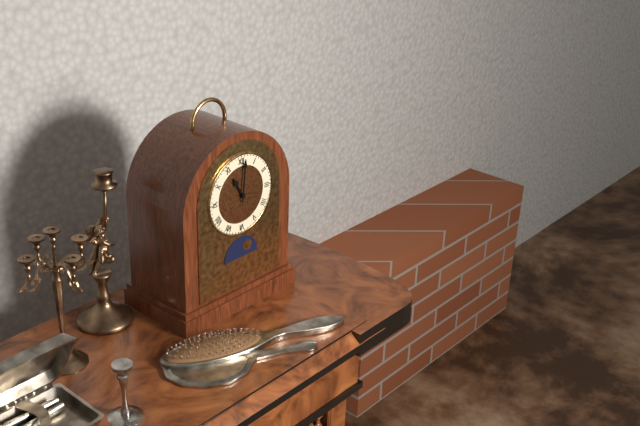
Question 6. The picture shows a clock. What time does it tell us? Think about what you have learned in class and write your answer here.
11:01
